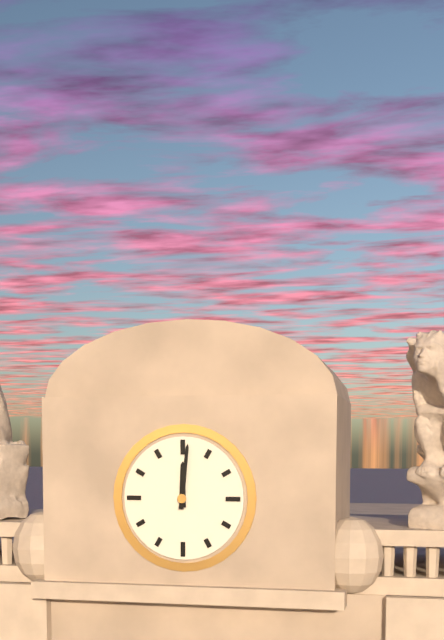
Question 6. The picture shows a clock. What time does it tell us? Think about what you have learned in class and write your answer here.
12:01
